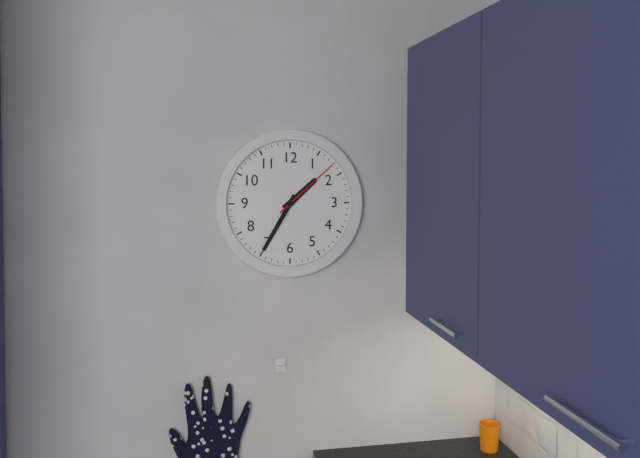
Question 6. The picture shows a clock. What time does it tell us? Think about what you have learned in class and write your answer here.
1:35:08
